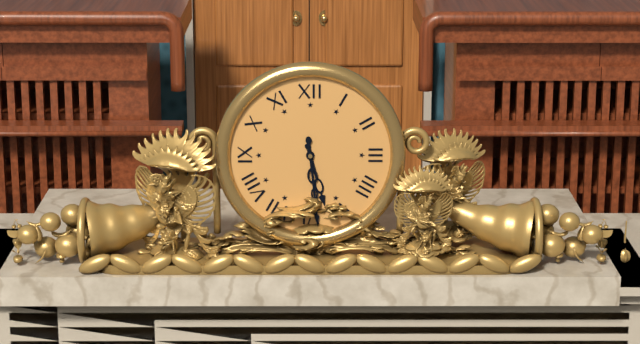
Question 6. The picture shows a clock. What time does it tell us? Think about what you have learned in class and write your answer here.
5:29
